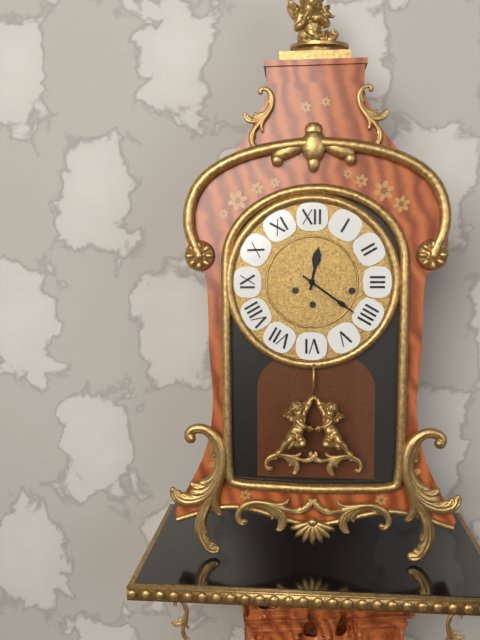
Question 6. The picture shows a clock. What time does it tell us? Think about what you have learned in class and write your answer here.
12:21
